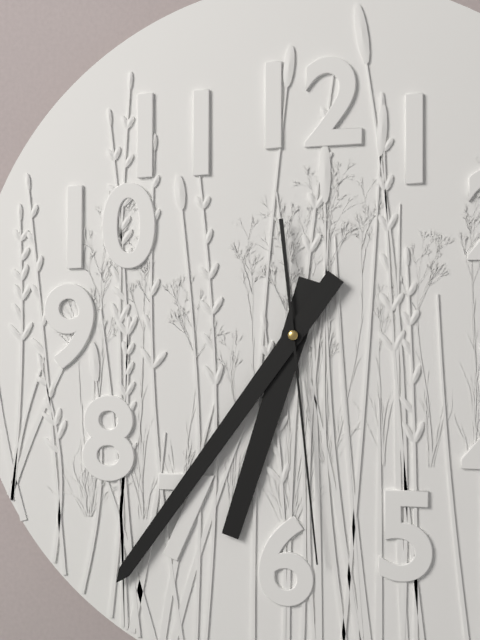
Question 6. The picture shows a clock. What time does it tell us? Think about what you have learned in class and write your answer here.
6:36:29
